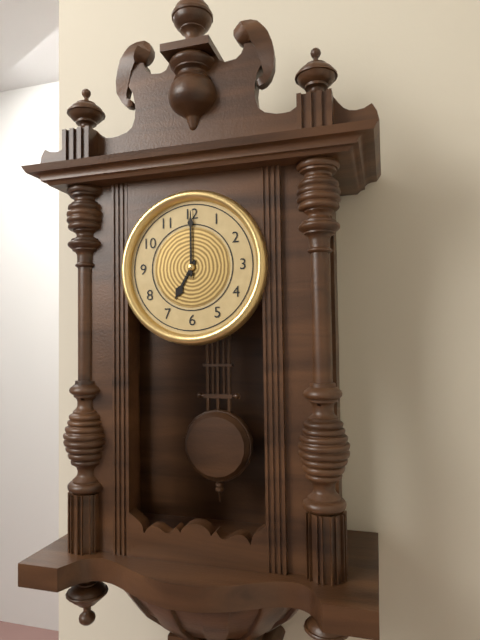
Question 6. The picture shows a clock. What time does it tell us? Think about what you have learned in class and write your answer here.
7:00
